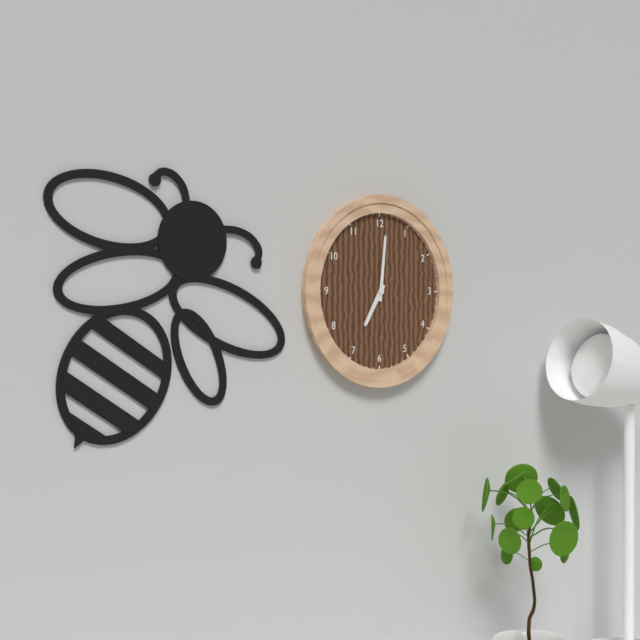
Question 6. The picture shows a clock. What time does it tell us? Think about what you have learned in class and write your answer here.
7:01
